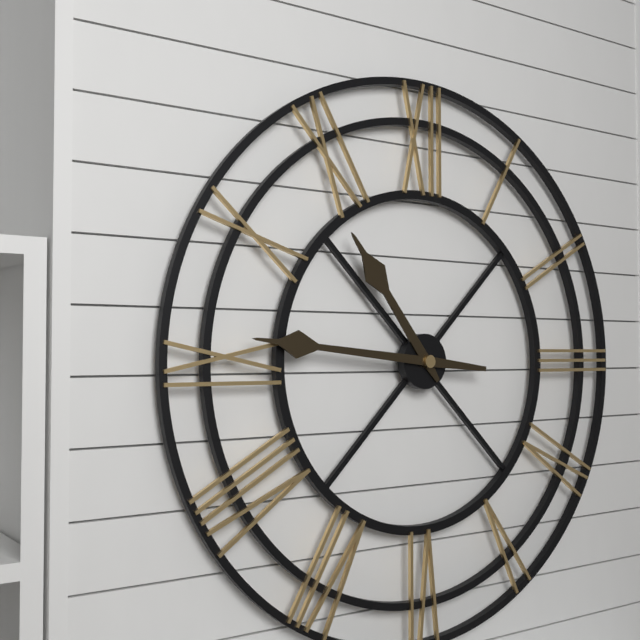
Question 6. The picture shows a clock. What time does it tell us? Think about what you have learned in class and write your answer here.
10:46
